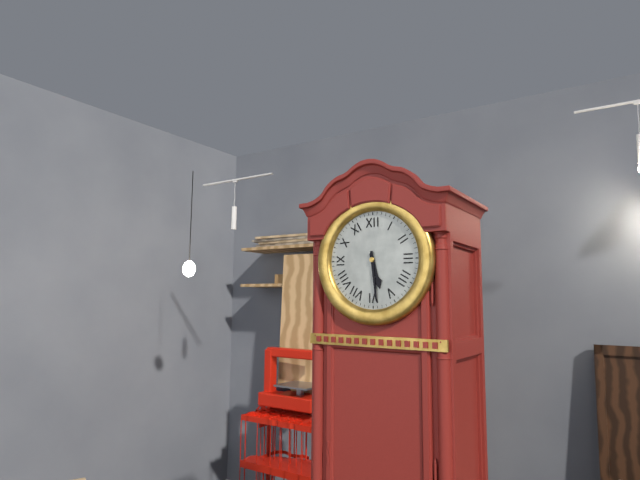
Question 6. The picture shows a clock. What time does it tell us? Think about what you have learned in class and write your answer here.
5:29
